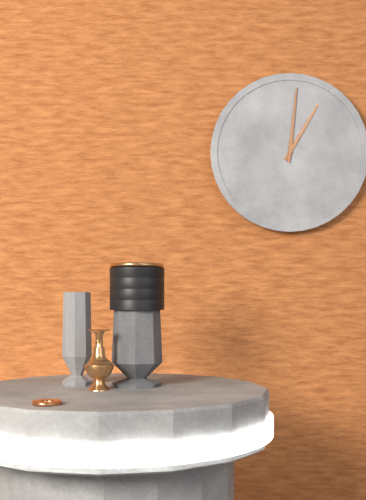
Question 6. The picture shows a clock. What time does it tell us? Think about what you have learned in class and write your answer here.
1:01
